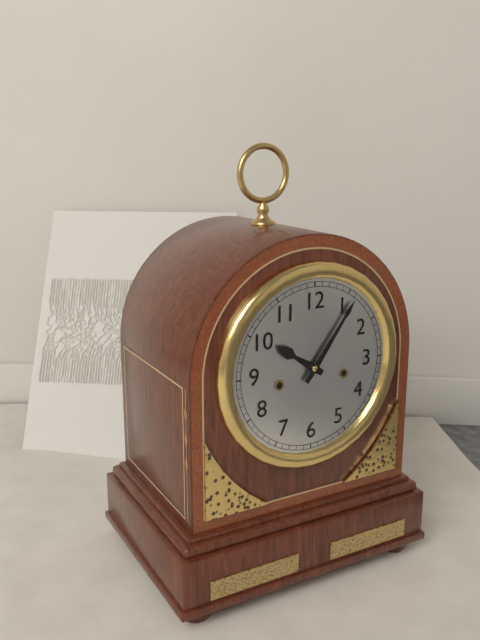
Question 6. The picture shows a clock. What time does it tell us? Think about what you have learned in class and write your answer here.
10:06
